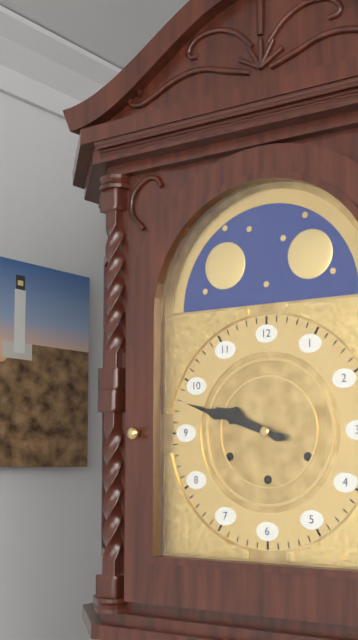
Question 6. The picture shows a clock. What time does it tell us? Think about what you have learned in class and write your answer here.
9:48
